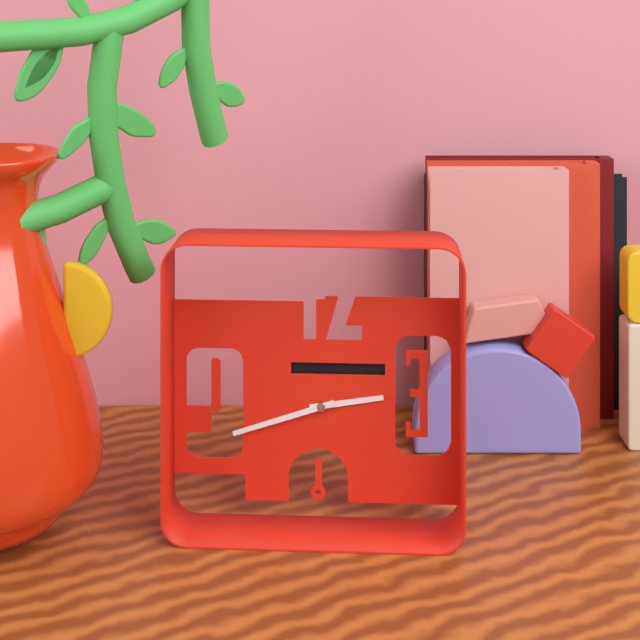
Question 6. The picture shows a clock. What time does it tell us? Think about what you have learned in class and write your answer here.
2:42
